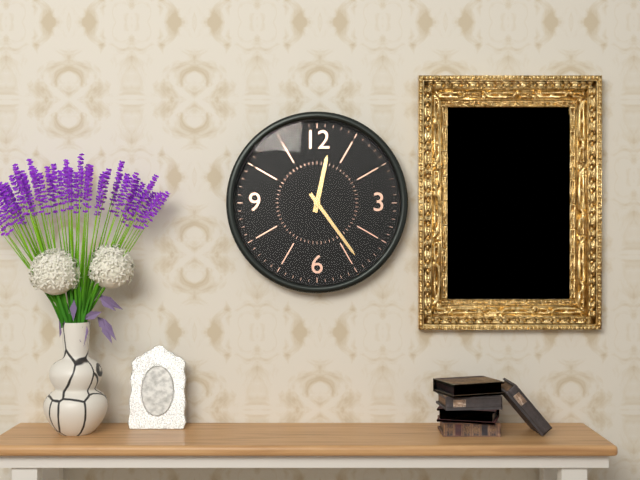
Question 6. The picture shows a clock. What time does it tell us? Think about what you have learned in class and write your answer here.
12:24
